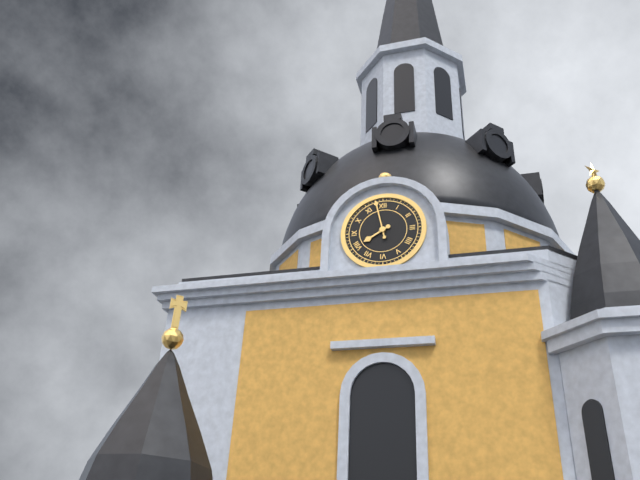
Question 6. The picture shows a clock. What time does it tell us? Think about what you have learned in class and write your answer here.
7:58
